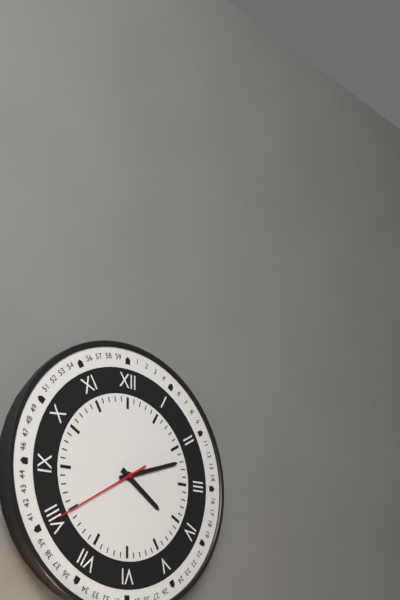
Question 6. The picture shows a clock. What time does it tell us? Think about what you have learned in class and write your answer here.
4:12:40
